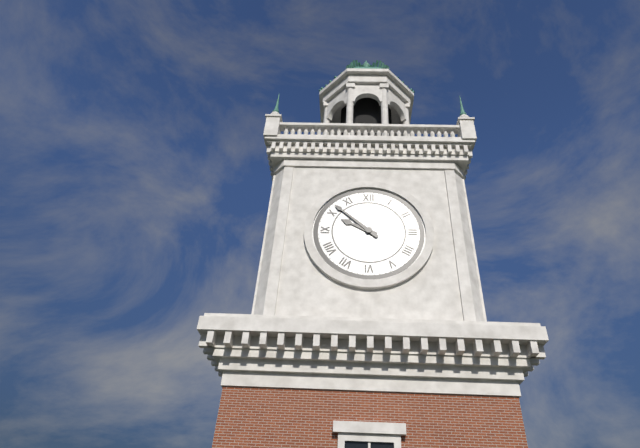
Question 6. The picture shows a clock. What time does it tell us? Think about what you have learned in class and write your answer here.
9:52
